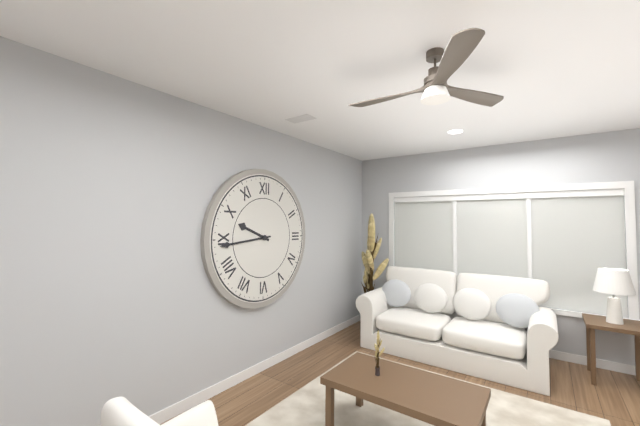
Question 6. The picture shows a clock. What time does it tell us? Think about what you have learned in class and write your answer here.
9:44
